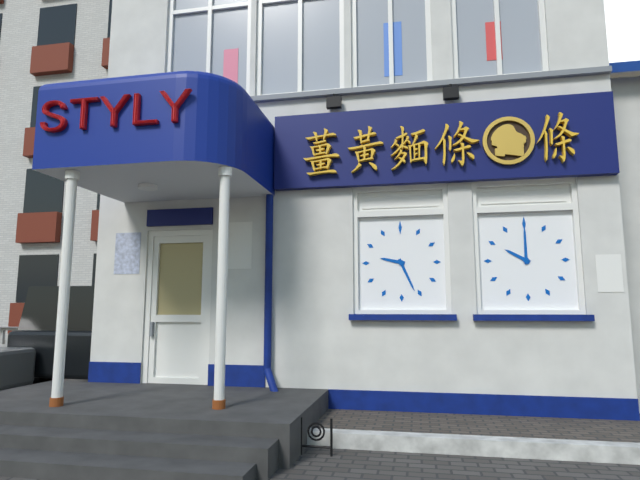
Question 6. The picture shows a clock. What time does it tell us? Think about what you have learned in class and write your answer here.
9:26
